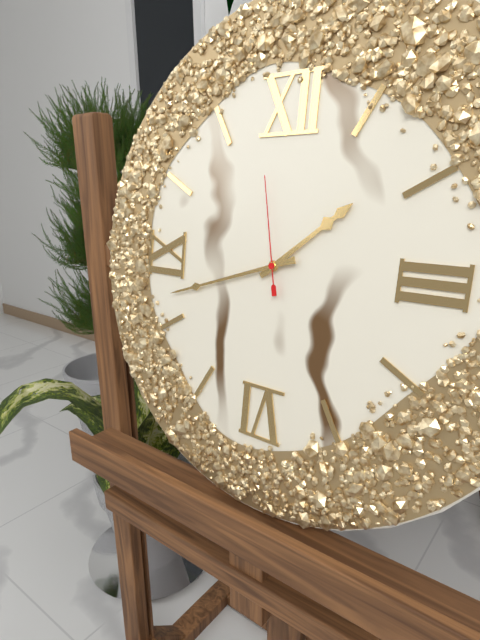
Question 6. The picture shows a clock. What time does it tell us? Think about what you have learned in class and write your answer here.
1:42:58
